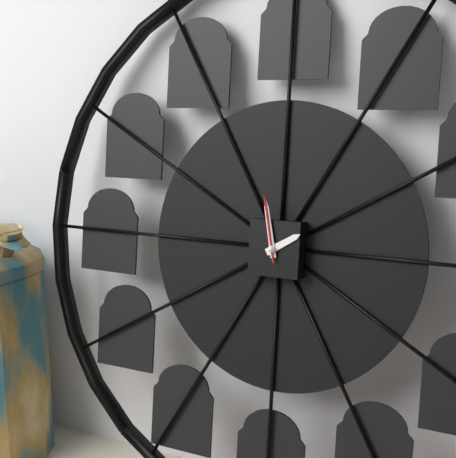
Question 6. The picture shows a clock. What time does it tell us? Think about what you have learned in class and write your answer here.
1:58:58
